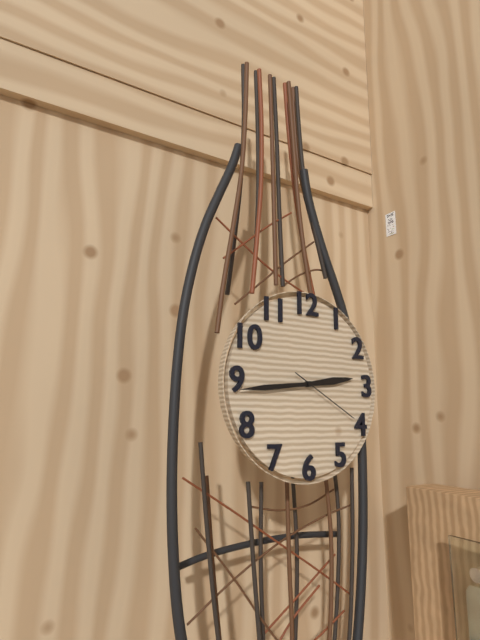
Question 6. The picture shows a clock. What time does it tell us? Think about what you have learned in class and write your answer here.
2:44:20
